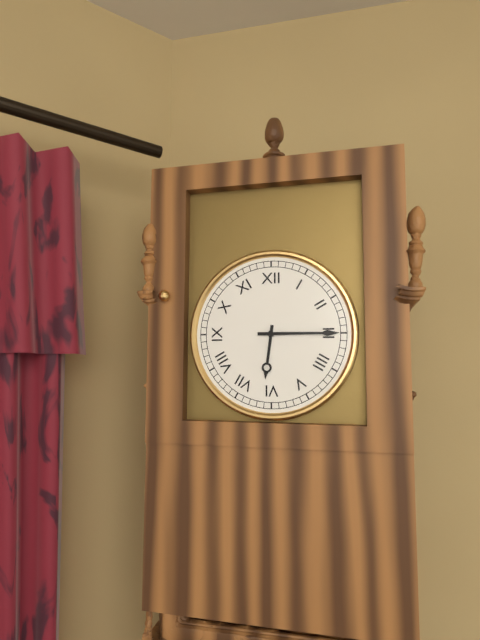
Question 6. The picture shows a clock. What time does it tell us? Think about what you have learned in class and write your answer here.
6:15
